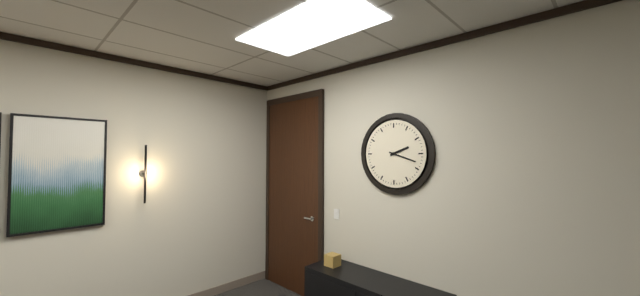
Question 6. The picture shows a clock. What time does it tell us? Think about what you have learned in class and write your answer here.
2:18
